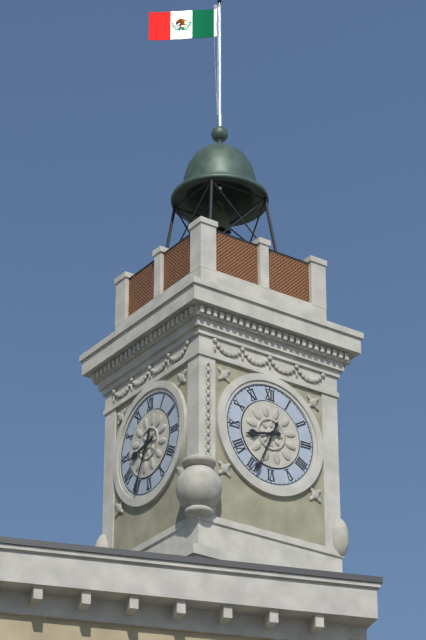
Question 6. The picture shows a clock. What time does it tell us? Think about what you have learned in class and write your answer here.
8:34
